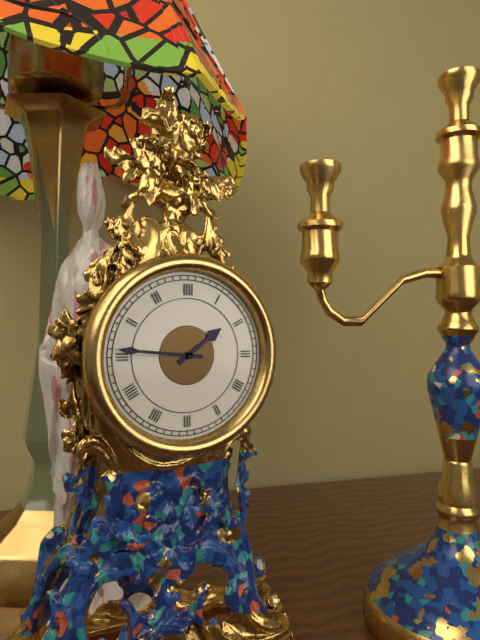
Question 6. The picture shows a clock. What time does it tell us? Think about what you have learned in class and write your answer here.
1:46
